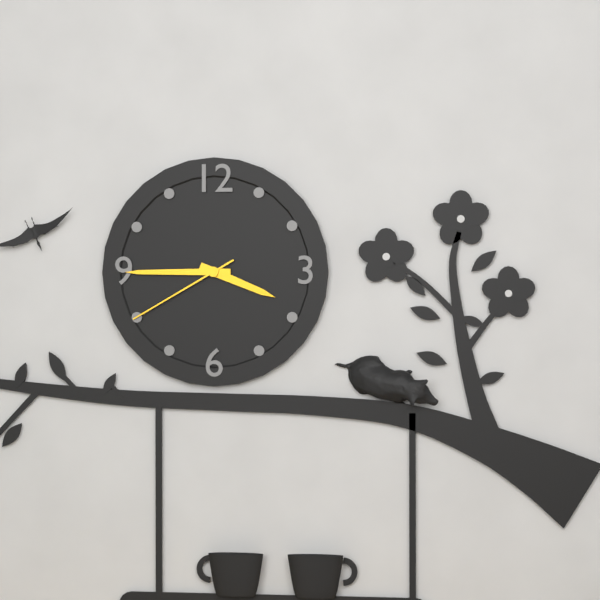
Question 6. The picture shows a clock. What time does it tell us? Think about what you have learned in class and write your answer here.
3:45:40
